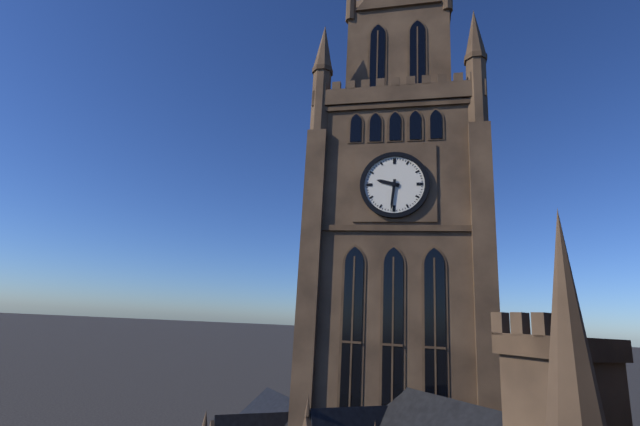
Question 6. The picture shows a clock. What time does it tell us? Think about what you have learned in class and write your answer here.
9:31
